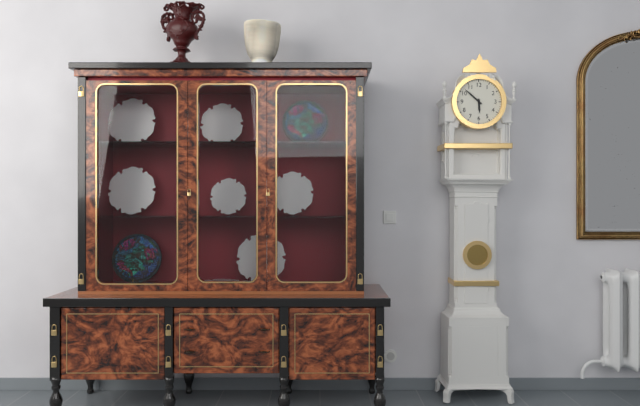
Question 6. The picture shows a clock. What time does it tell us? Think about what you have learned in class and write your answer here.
5:52
